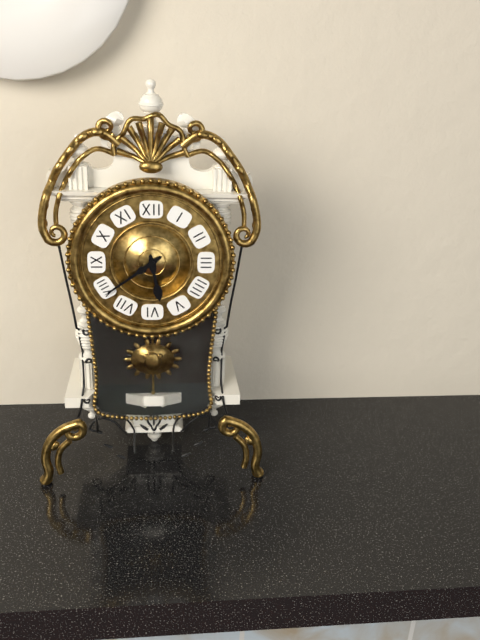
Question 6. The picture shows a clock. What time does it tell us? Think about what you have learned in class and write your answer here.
5:39
